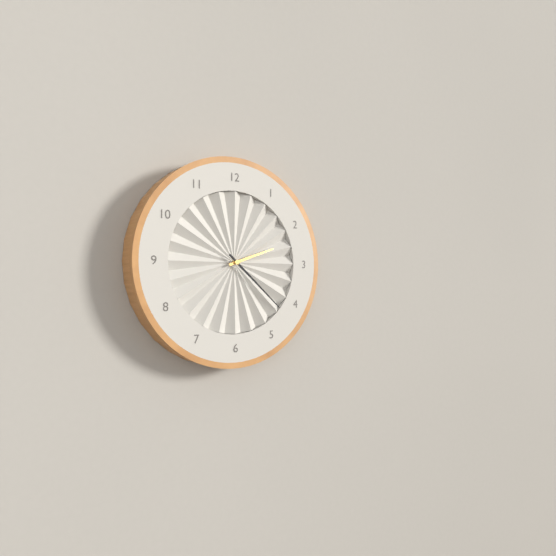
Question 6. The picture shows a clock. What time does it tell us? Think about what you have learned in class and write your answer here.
2:22
